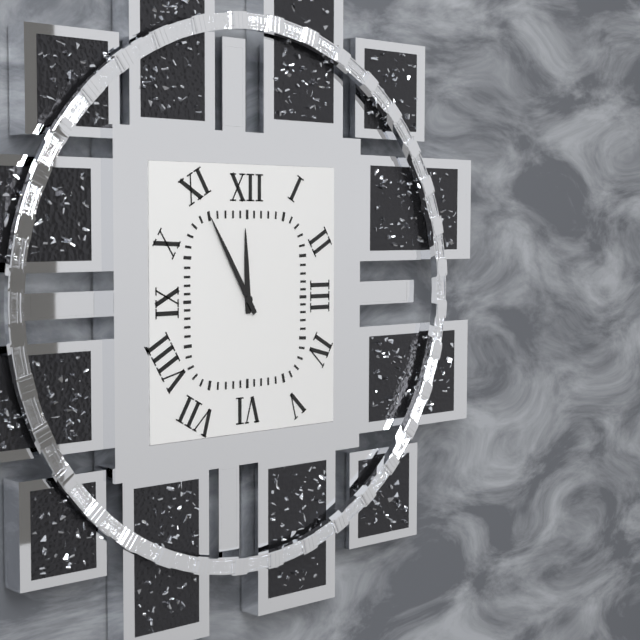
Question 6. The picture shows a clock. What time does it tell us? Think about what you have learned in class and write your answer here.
11:55
